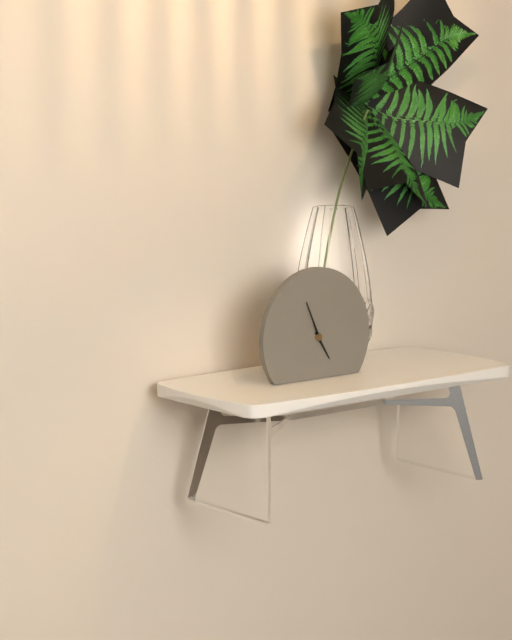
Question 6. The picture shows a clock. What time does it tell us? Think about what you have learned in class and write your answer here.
4:56
